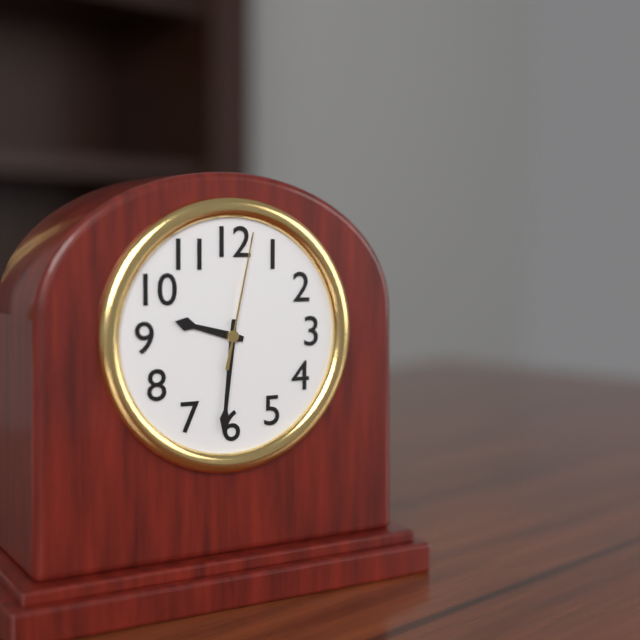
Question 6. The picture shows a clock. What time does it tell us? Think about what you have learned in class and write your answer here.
9:31:02
